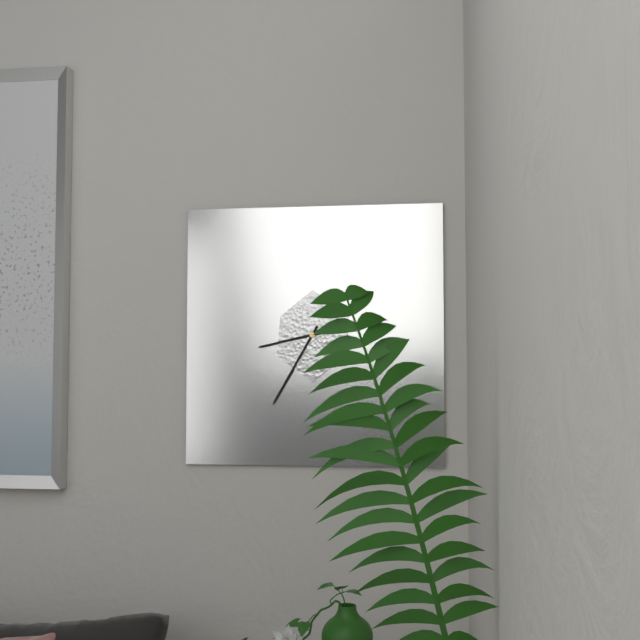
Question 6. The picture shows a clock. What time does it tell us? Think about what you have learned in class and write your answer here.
8:35
